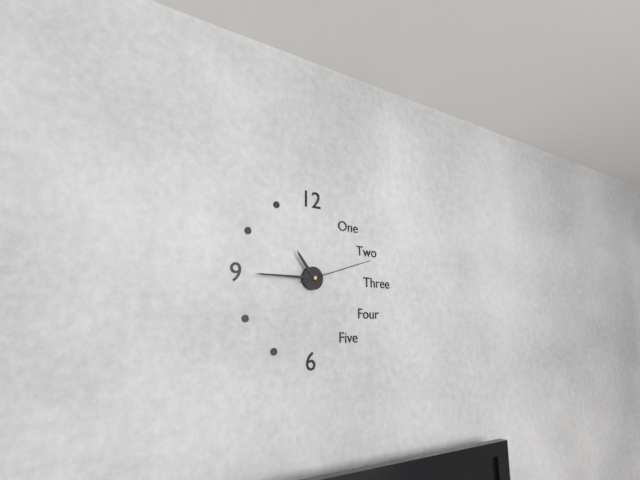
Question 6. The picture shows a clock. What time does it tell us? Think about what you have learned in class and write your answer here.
10:45:12
